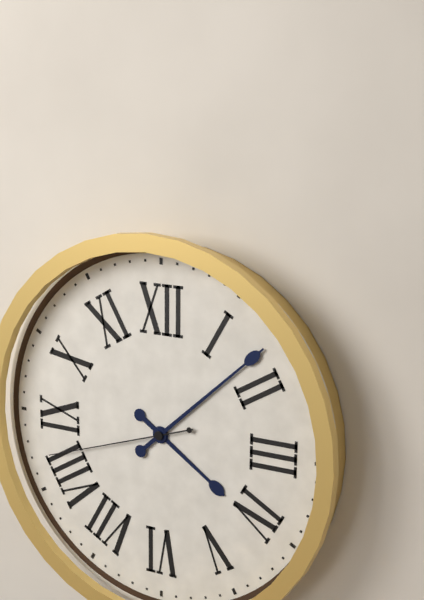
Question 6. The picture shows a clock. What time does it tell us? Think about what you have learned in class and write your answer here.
4:08:42
